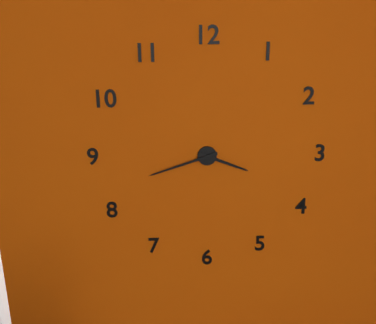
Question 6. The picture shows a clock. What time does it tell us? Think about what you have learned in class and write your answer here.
3:42
